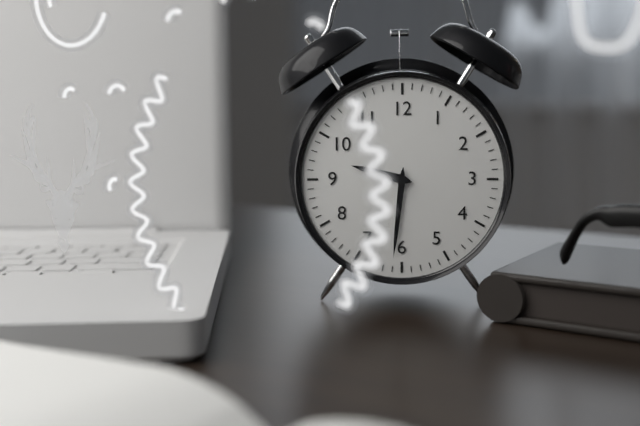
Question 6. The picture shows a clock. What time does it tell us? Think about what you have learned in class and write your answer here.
9:31
